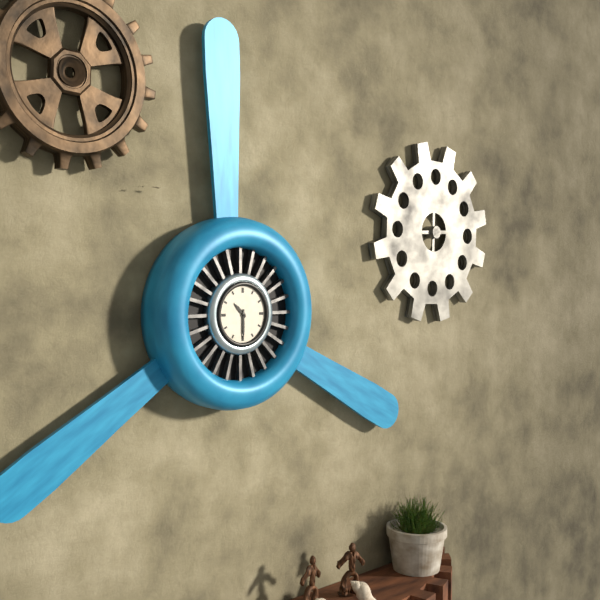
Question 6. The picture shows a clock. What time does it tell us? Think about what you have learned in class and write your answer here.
10:30
